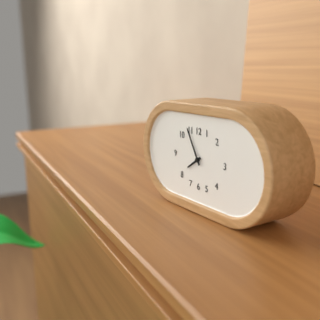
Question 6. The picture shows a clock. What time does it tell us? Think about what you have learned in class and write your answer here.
7:55
